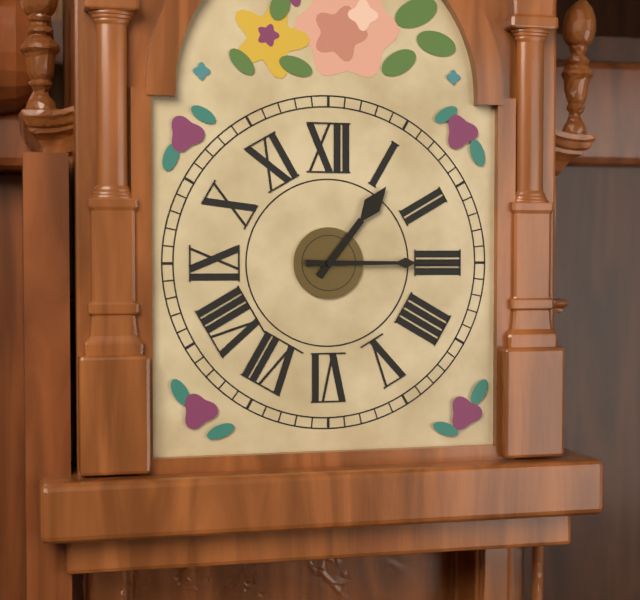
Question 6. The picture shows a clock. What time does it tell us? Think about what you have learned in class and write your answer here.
1:15
